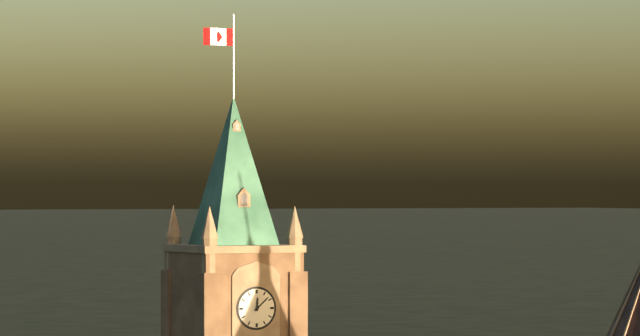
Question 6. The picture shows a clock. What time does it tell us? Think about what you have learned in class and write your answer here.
12:08
